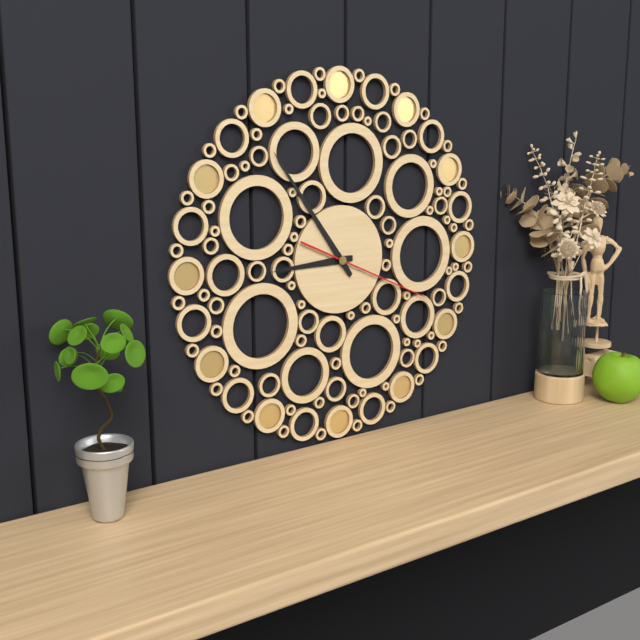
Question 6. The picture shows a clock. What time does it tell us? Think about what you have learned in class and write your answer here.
8:54:19
